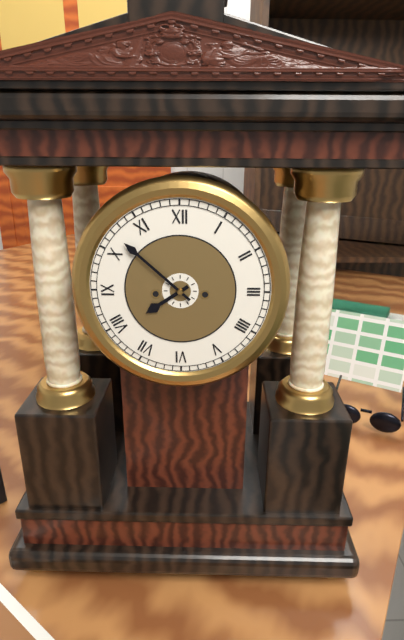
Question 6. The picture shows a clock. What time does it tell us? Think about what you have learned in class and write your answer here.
7:52
